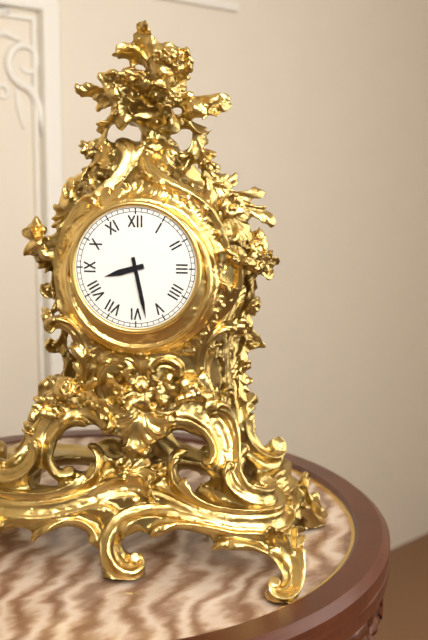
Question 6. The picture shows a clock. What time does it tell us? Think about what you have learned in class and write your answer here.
8:28
